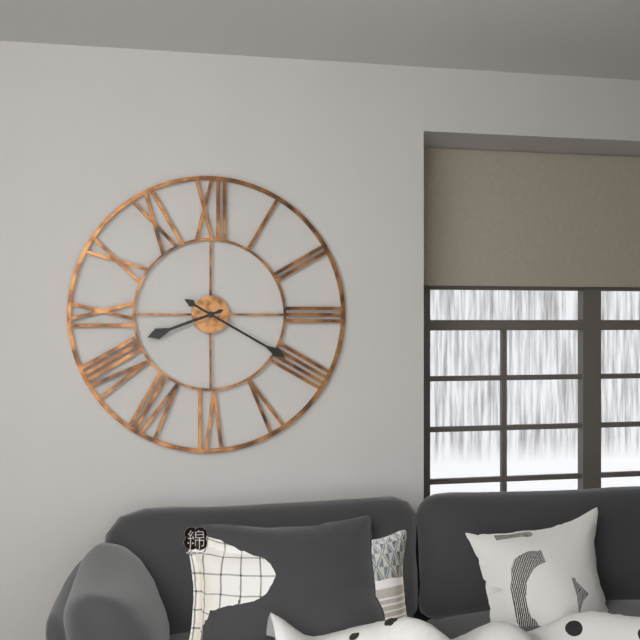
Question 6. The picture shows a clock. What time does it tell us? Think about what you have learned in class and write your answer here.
8:20
